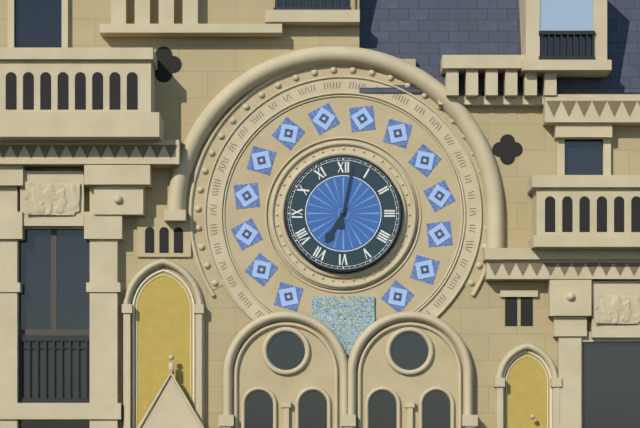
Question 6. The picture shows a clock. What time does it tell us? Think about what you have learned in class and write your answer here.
7:02
